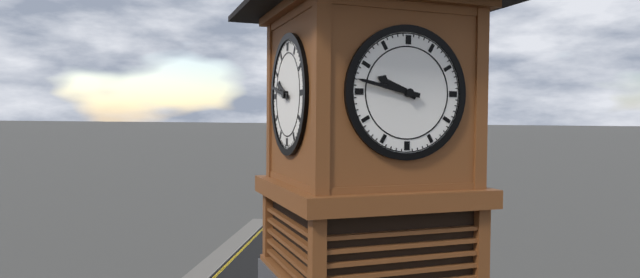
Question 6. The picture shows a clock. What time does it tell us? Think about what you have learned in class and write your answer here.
9:47
